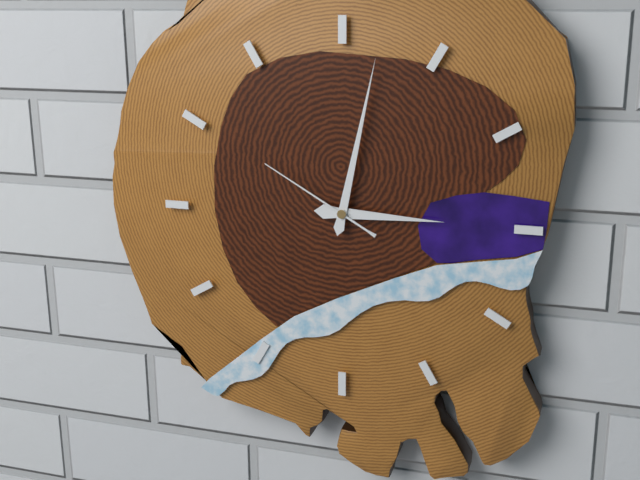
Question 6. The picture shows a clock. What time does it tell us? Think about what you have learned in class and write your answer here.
3:02:50
